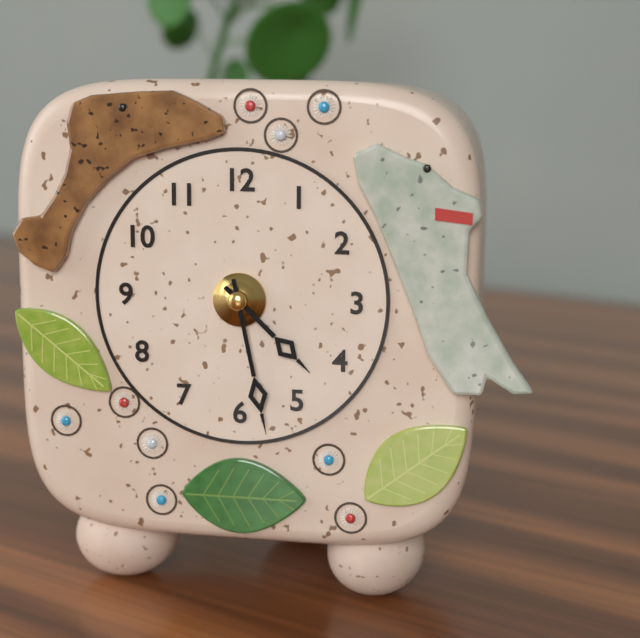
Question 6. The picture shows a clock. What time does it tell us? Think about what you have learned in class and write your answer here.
4:28
